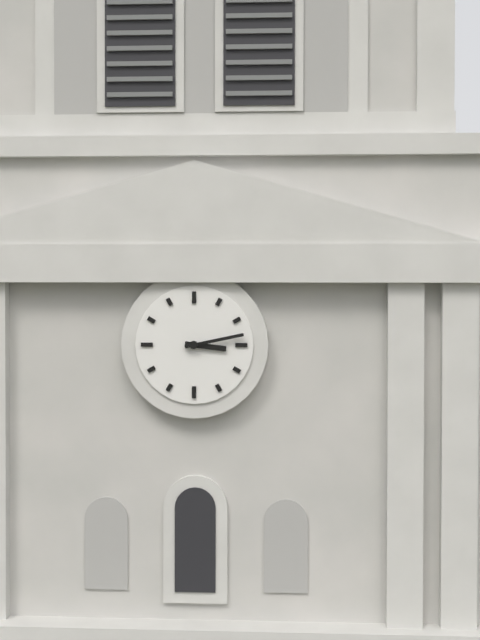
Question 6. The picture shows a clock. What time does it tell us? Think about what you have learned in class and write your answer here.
3:13
